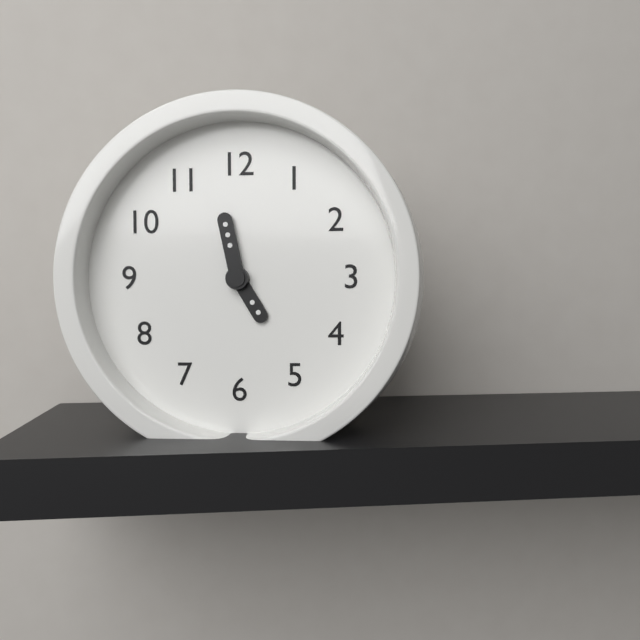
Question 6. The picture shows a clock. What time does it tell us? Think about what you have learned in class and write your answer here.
4:58
